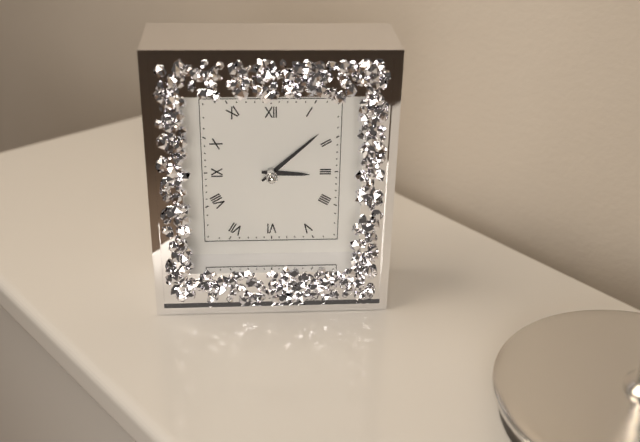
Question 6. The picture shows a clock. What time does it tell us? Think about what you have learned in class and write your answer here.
3:08
